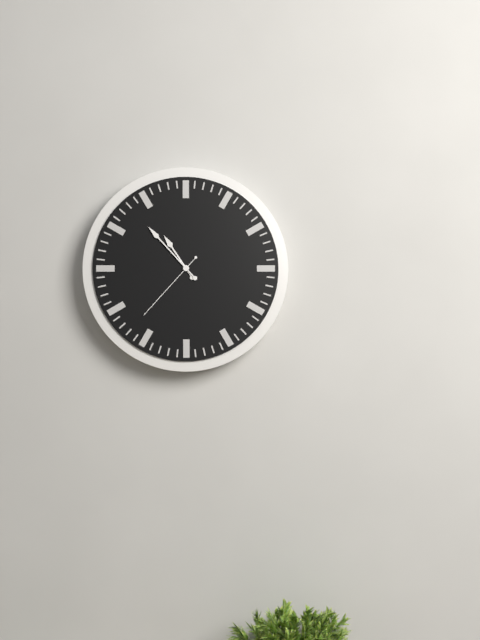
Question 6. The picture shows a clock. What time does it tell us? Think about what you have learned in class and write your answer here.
10:53:37
